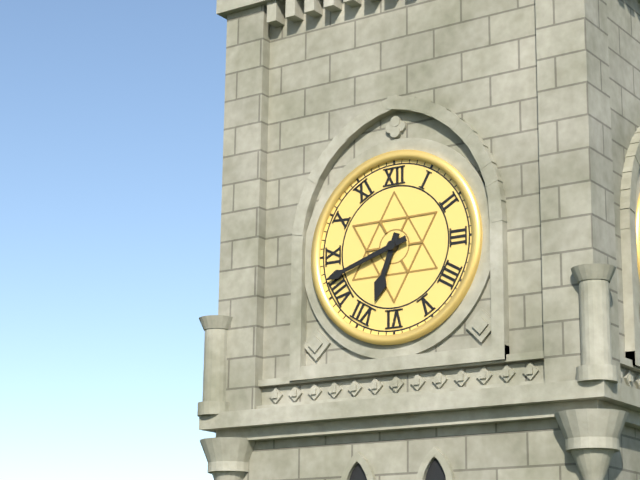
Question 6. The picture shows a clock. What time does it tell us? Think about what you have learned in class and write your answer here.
6:42
